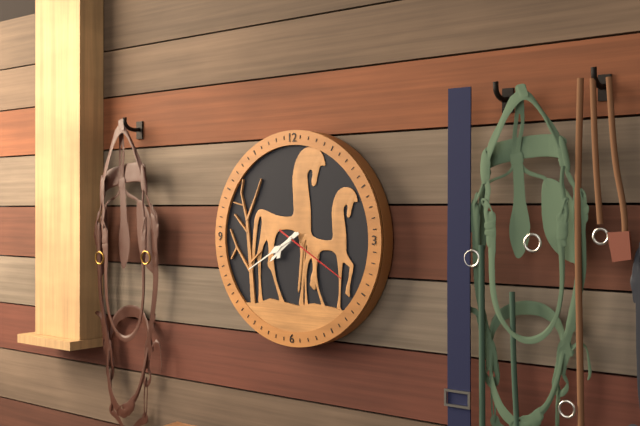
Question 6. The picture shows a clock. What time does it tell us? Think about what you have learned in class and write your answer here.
7:40:20
